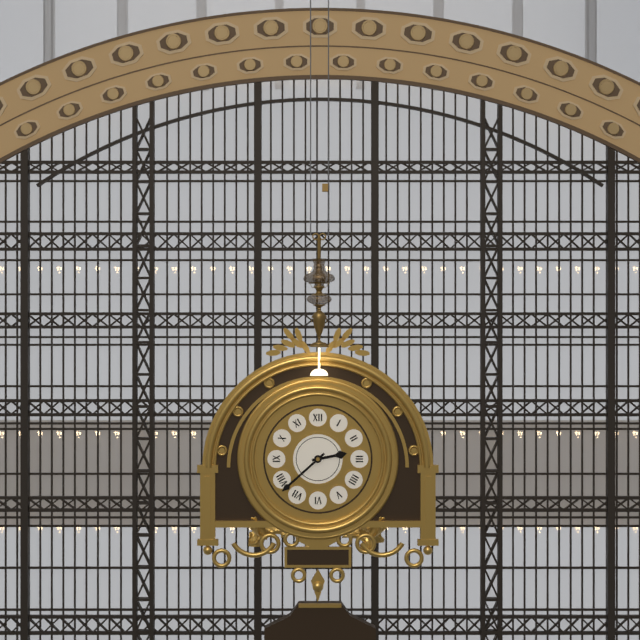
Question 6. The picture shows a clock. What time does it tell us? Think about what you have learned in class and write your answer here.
2:38
